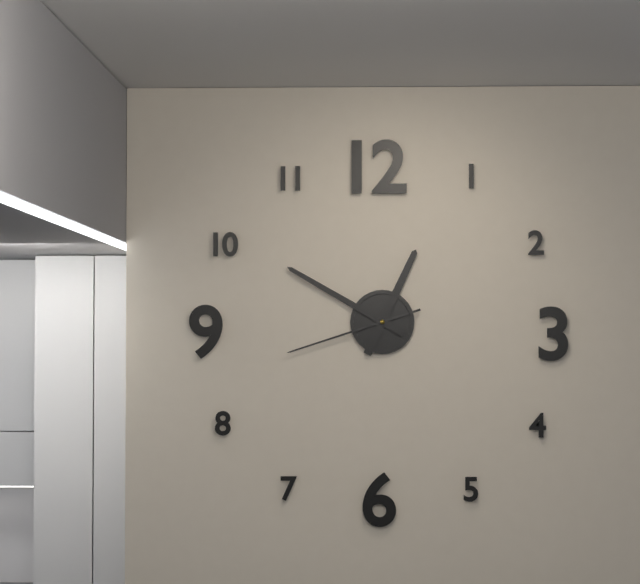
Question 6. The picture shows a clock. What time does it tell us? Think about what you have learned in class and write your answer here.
12:50:42
